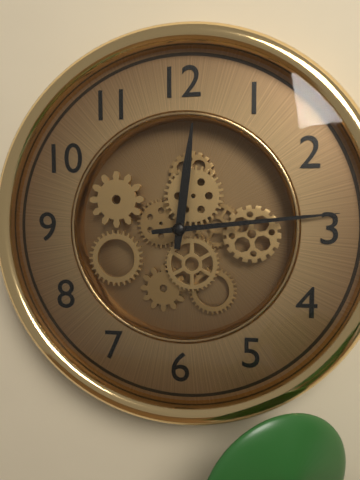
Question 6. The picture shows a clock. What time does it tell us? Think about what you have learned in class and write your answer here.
12:14
